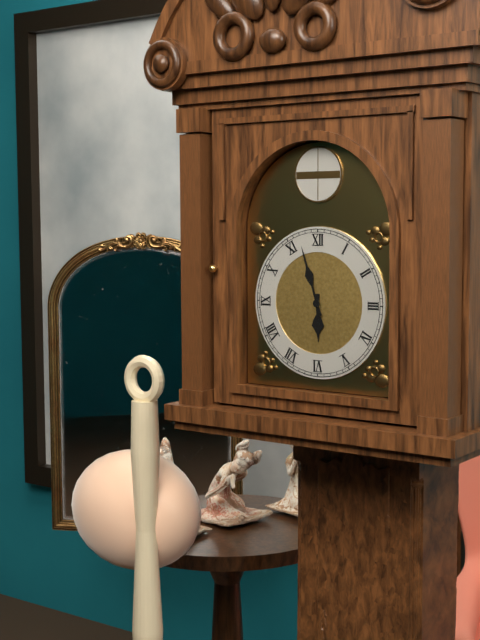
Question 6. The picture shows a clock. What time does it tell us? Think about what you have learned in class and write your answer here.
5:57
